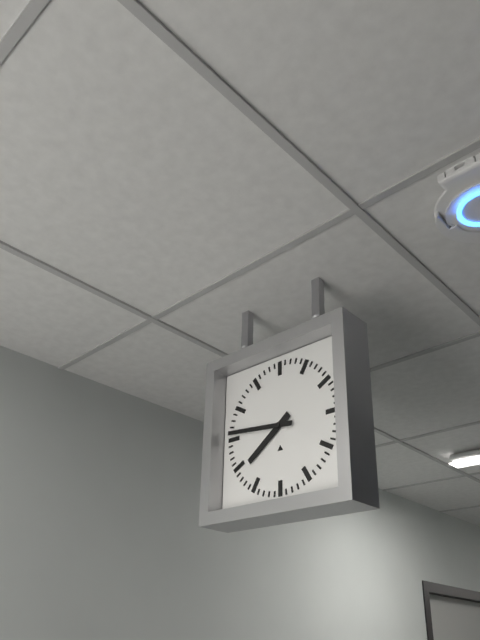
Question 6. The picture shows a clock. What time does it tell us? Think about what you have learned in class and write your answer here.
7:46
